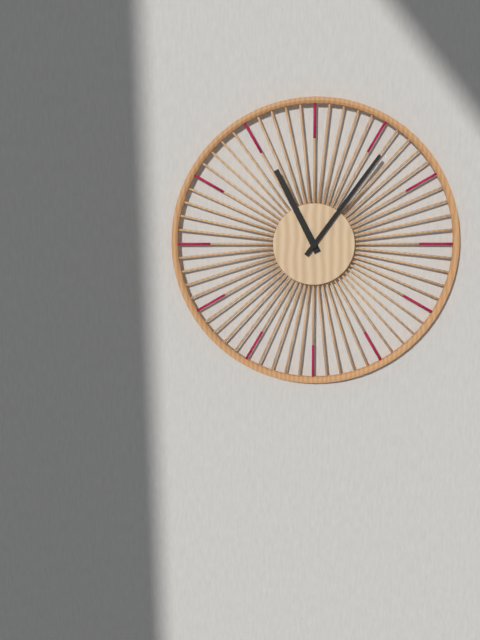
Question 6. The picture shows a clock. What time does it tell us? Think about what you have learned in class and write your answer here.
11:06
